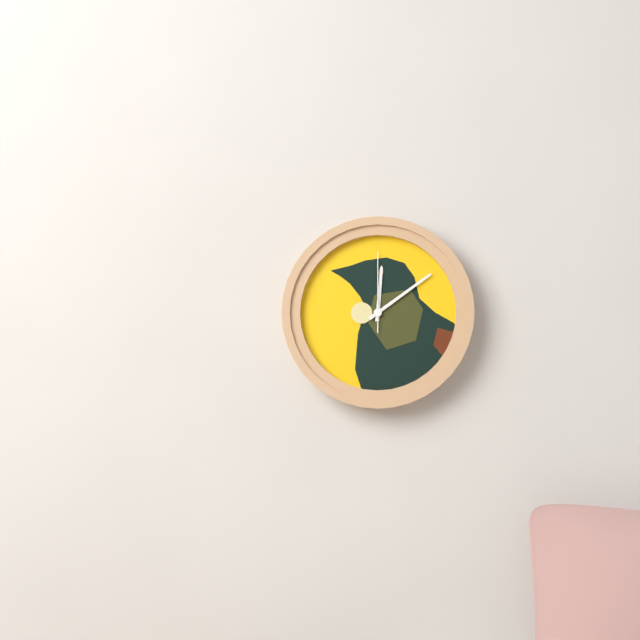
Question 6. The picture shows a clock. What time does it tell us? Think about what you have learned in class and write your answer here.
12:09:00
